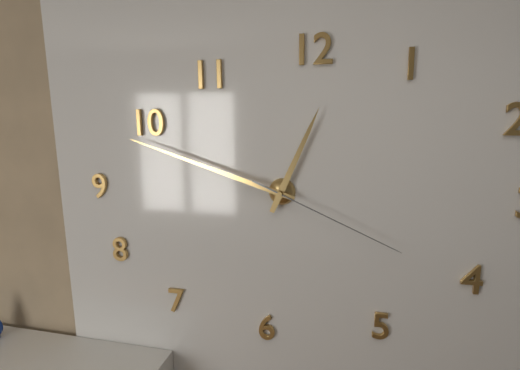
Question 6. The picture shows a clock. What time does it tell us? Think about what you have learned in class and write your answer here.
12:48:19
